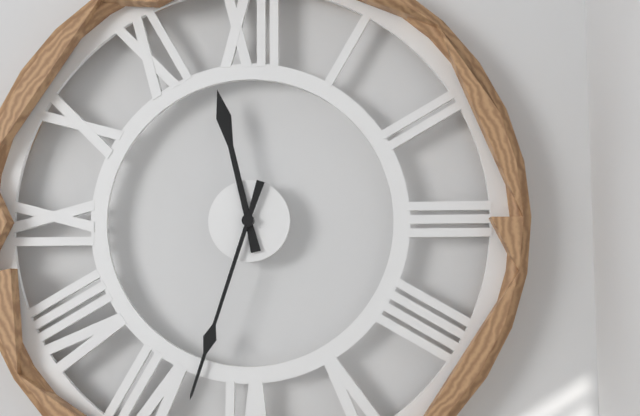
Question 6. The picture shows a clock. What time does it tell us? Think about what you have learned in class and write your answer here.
11:33
